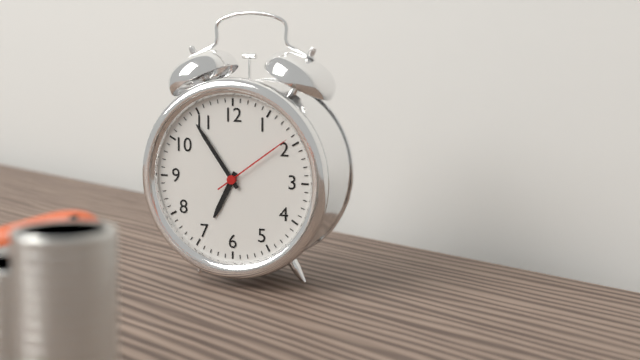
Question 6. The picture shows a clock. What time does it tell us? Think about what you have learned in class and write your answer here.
6:54:09
